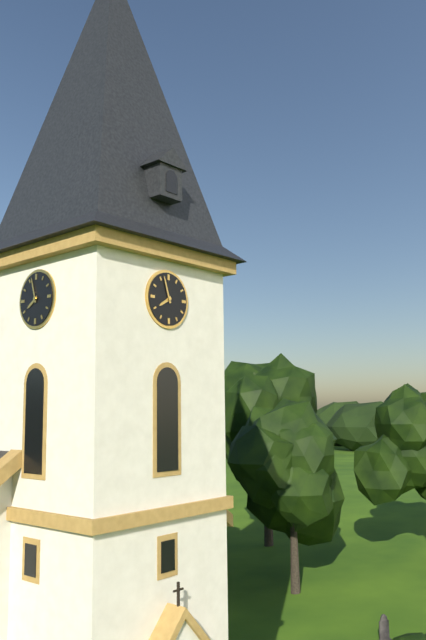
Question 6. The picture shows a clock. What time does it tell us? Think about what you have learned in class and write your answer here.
7:57
